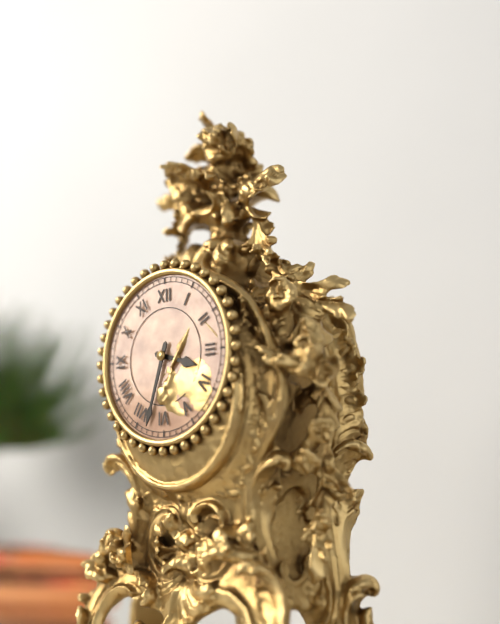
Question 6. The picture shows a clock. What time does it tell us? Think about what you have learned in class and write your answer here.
3:33
